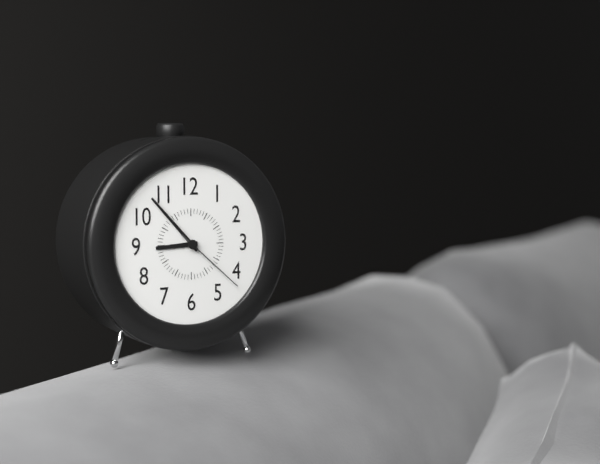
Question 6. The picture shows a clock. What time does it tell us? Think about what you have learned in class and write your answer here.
8:53:22
